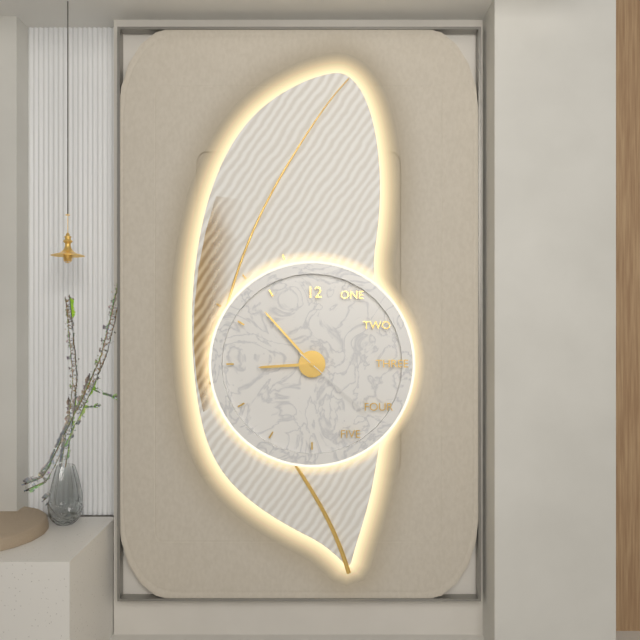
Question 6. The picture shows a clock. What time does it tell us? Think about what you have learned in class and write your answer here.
8:53:22
